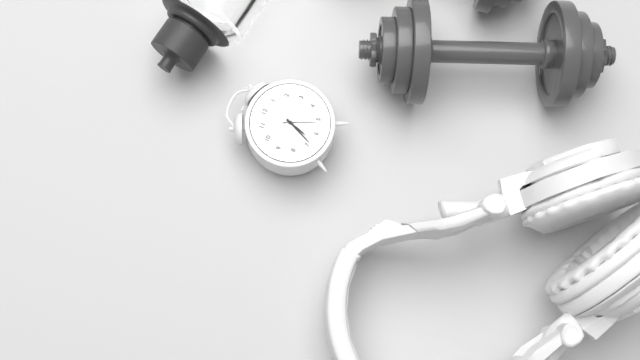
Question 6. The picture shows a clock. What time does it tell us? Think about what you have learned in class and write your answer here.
6:34
